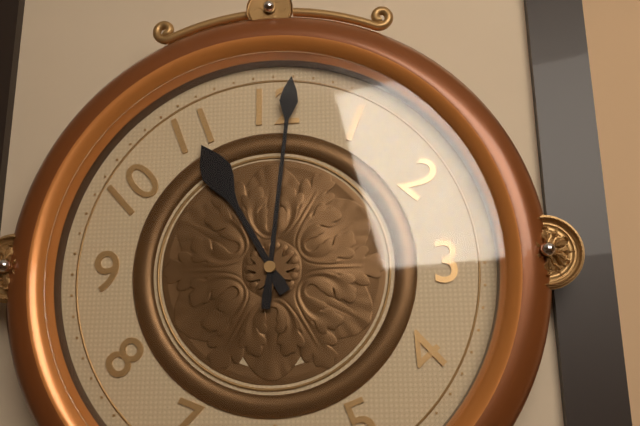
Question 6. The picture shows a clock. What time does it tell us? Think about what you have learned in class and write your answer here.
11:01
